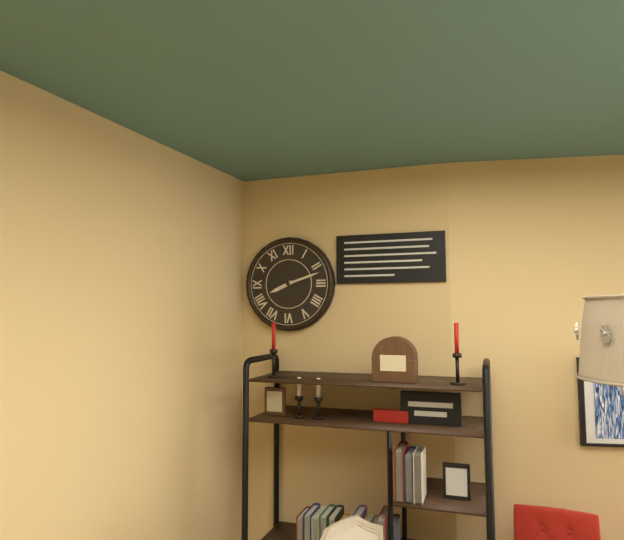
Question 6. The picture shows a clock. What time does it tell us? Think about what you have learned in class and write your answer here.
8:12
